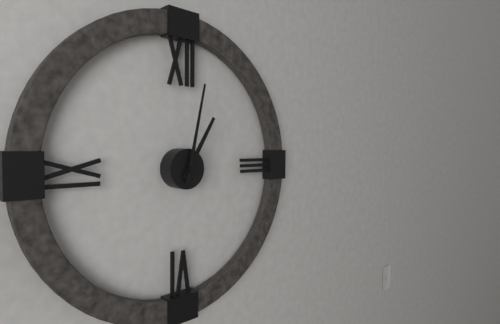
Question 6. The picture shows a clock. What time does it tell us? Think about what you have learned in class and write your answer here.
1:02
